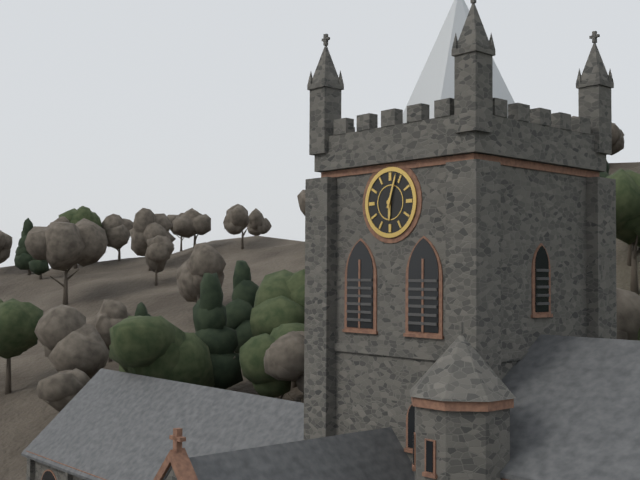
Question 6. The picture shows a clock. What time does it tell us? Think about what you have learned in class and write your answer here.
6:03
